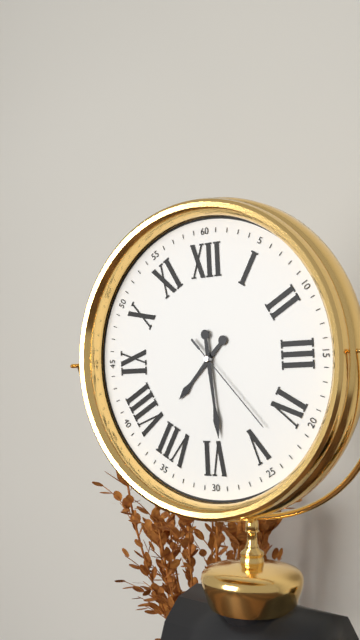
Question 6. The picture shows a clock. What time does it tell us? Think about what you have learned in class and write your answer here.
7:29:23
